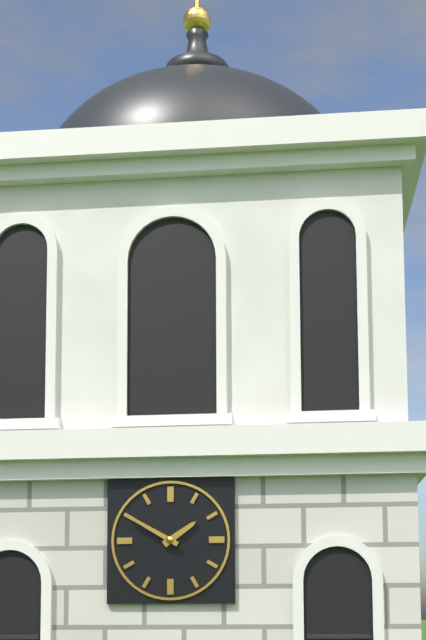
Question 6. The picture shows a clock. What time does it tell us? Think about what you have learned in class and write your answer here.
1:50
